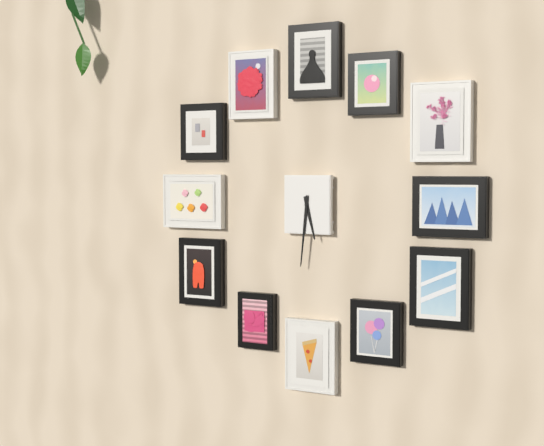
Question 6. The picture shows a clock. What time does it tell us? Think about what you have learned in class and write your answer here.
5:31
